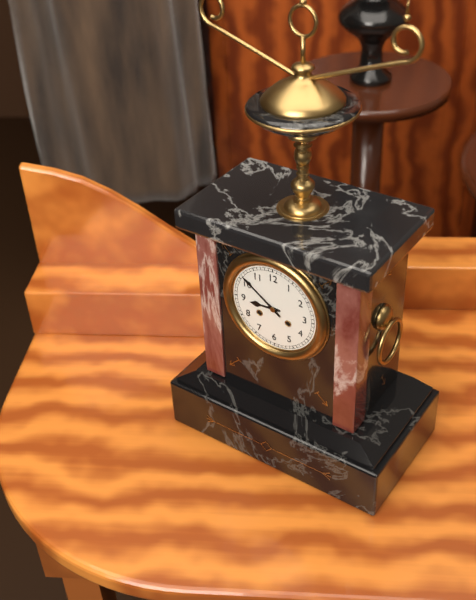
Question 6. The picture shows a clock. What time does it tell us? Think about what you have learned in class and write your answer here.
8:51
